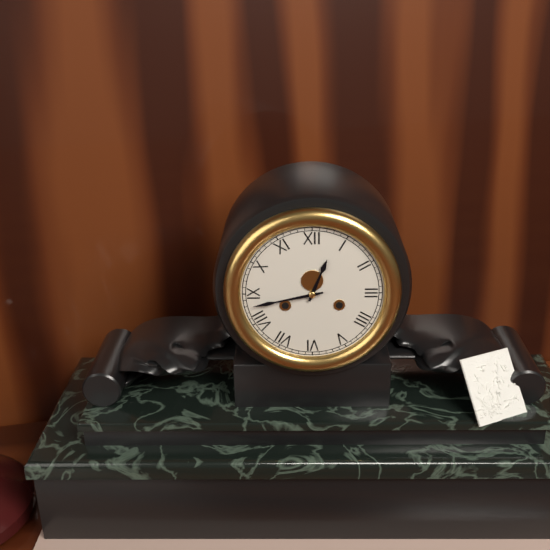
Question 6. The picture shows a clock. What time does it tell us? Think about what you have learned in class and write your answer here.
12:43
